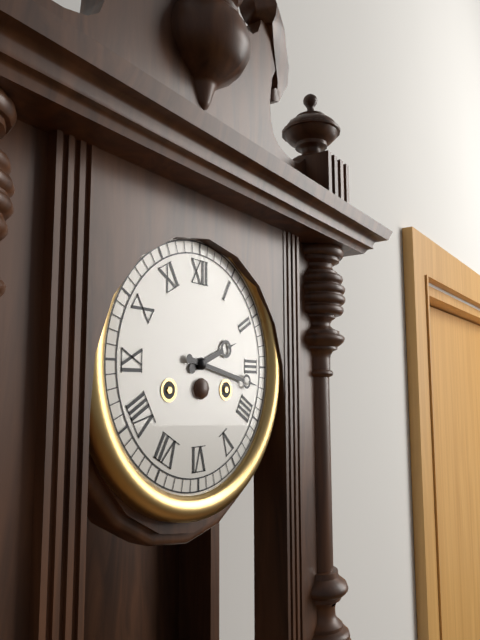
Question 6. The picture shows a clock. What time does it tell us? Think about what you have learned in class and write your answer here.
2:17
